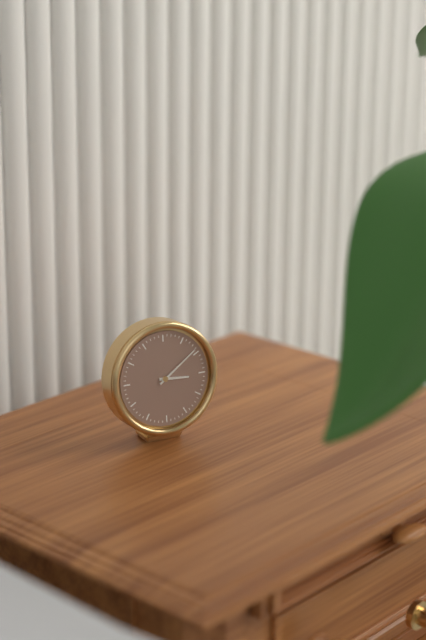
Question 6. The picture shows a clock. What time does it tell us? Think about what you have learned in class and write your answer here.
3:09
